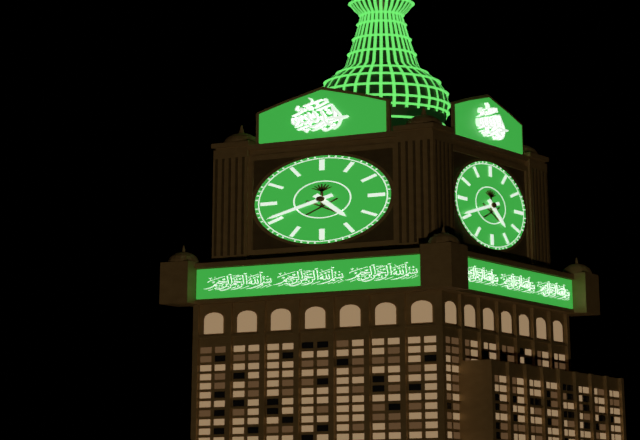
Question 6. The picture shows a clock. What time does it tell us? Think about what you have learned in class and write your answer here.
4:41
